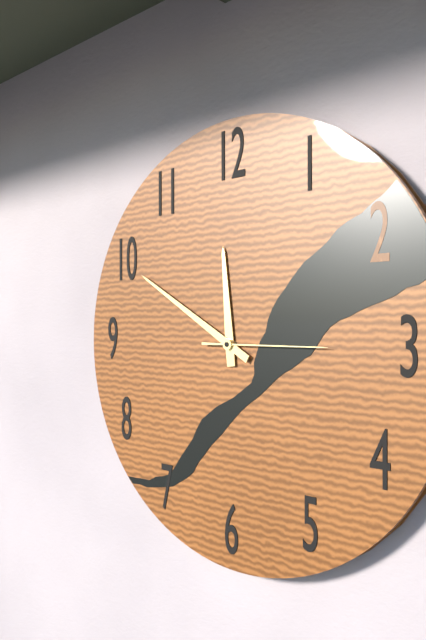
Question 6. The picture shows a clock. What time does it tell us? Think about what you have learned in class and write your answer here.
11:50:15
